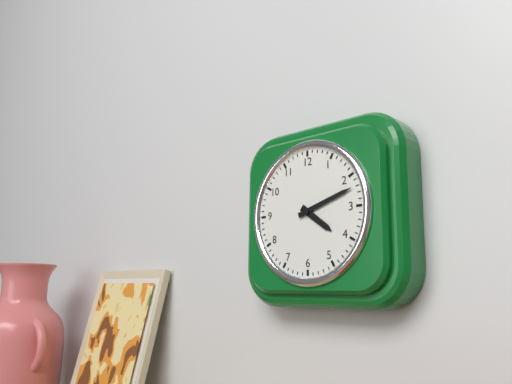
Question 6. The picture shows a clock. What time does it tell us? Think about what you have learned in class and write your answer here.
4:12
